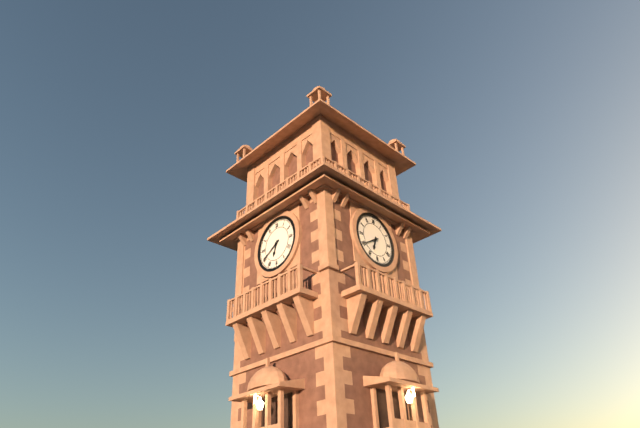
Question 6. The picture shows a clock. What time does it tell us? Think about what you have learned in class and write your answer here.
6:40
